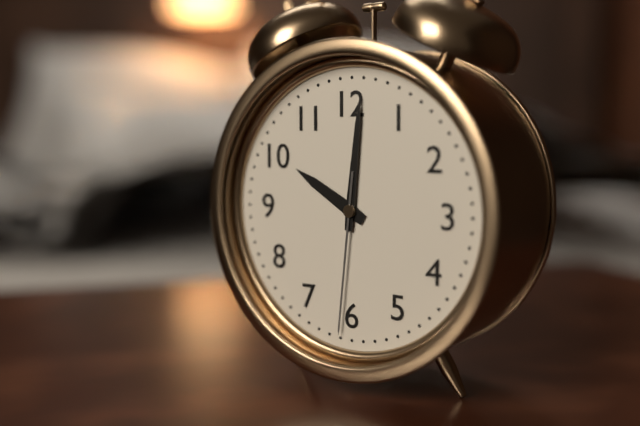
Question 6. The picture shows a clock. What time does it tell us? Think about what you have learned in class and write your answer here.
10:01:31
